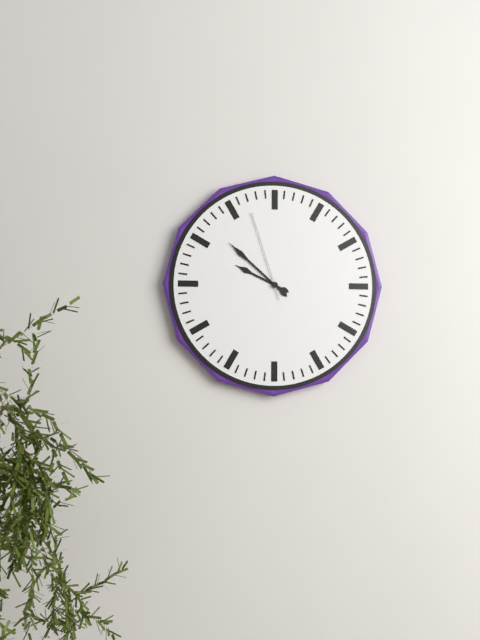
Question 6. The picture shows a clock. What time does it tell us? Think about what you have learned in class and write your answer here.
9:52:57
